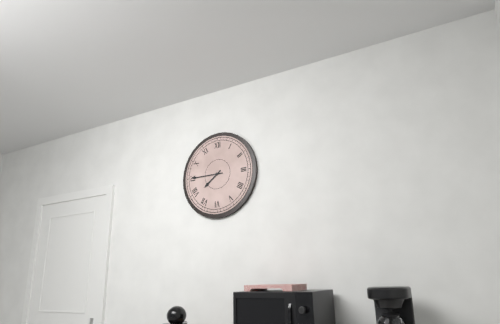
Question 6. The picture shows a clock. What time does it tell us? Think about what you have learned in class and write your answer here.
7:45
